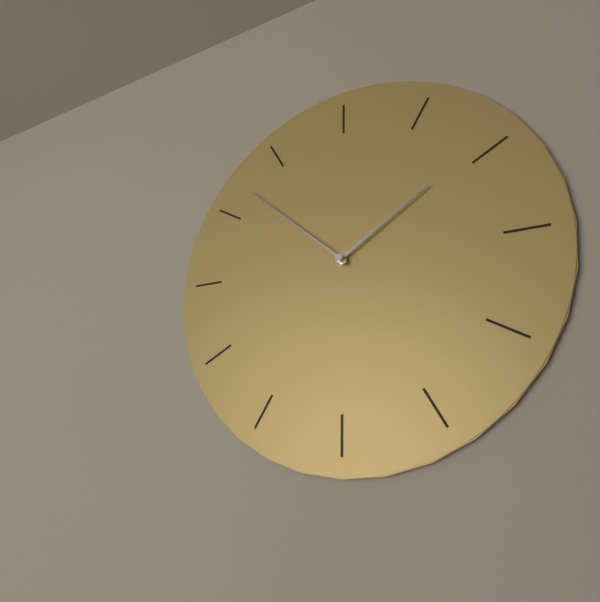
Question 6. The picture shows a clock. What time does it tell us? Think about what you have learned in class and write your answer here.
1:52
